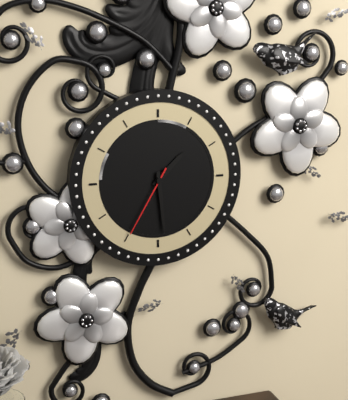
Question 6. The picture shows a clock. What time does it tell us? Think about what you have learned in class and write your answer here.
1:29:35
